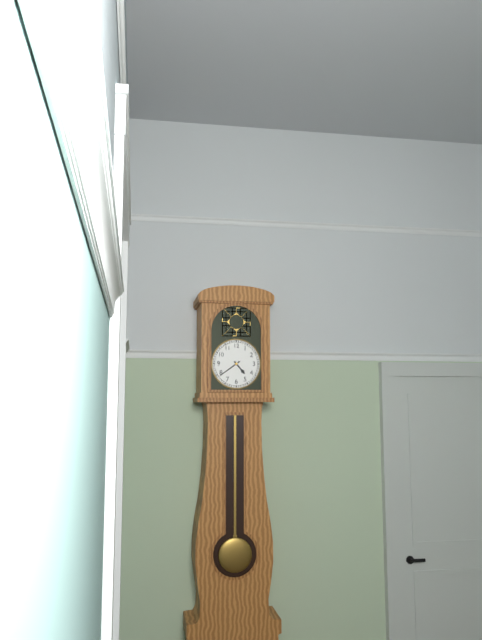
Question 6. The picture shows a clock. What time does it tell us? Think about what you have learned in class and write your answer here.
4:39
